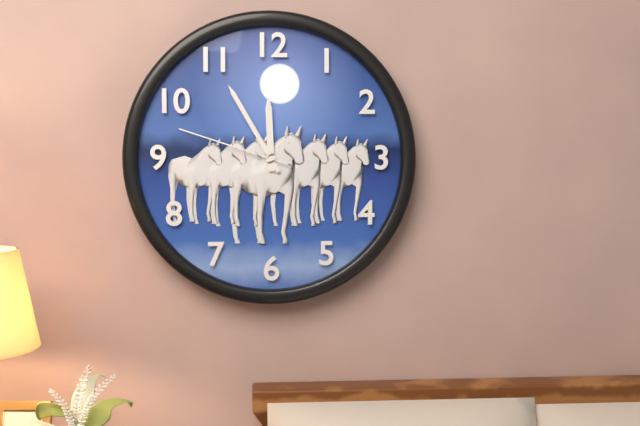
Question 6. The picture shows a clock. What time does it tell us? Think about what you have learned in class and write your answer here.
11:55:48
